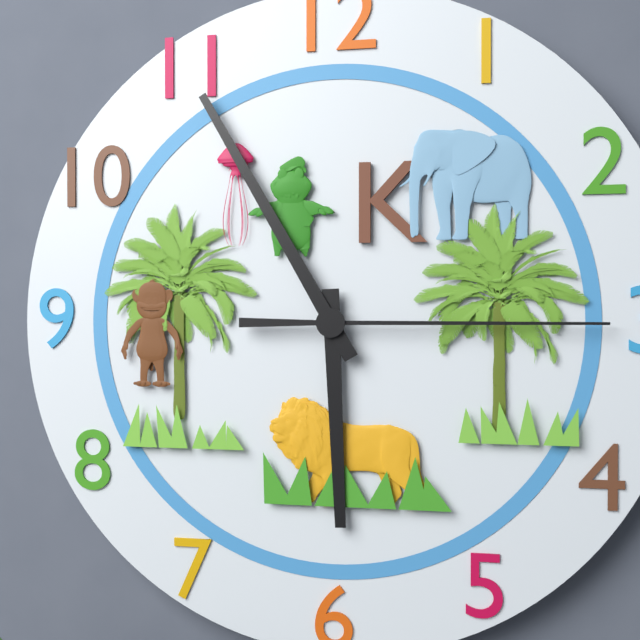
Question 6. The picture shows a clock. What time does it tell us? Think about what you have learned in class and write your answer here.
5:55:15
